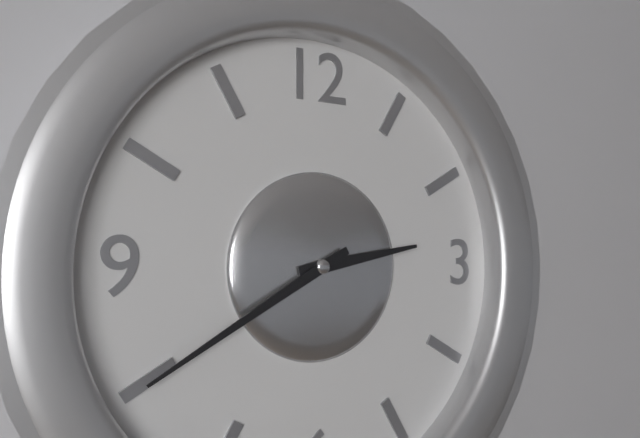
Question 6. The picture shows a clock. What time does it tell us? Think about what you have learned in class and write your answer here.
2:40
